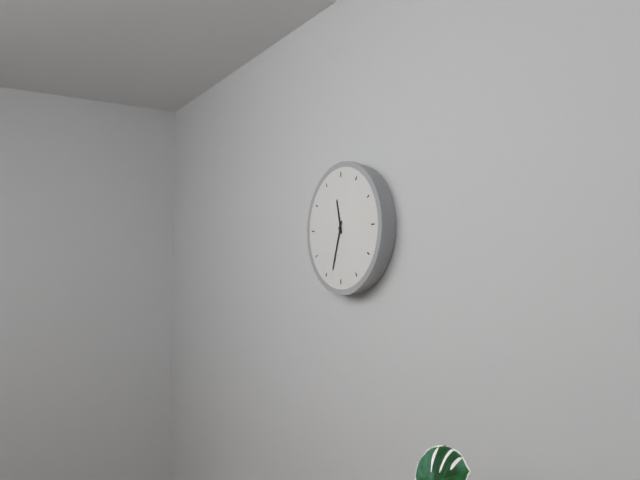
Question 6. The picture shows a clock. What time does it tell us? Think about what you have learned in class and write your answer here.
11:33
